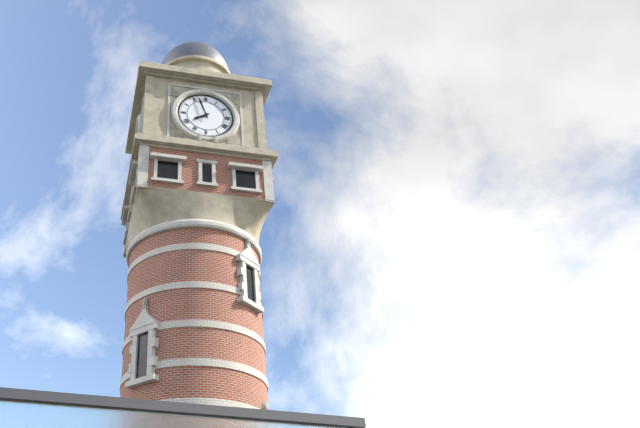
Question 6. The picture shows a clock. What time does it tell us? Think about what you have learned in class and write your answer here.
7:57
